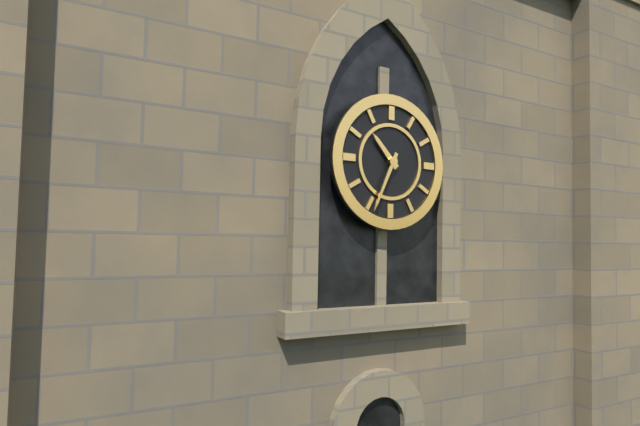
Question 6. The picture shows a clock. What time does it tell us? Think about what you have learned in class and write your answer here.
10:34
